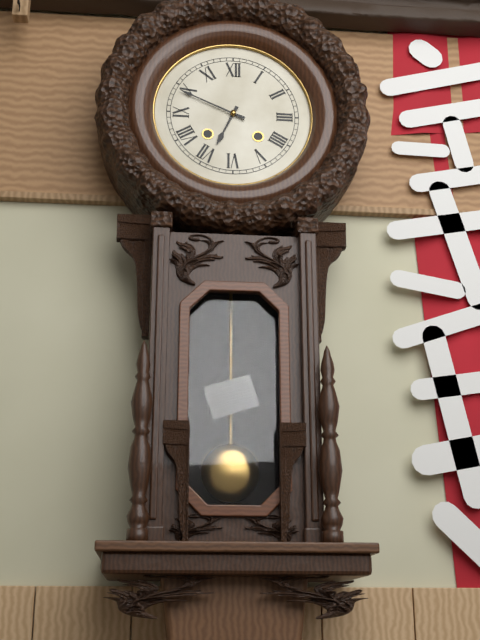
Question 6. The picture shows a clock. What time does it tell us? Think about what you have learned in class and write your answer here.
6:49
